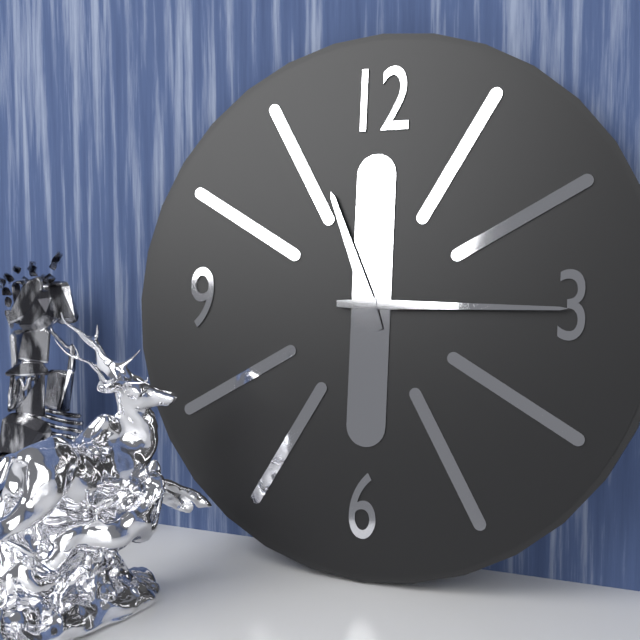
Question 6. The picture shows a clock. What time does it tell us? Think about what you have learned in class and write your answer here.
11:15
